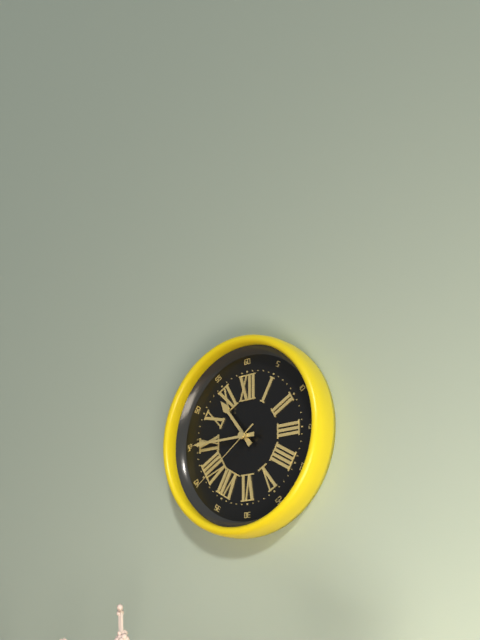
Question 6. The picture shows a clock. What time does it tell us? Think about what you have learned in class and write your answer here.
10:45:39
